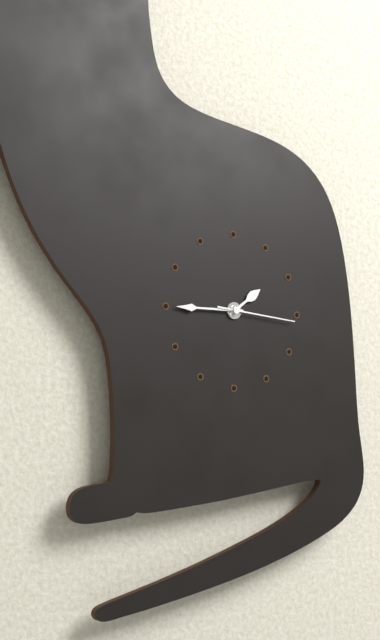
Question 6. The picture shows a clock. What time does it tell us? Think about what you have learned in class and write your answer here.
1:45:16
